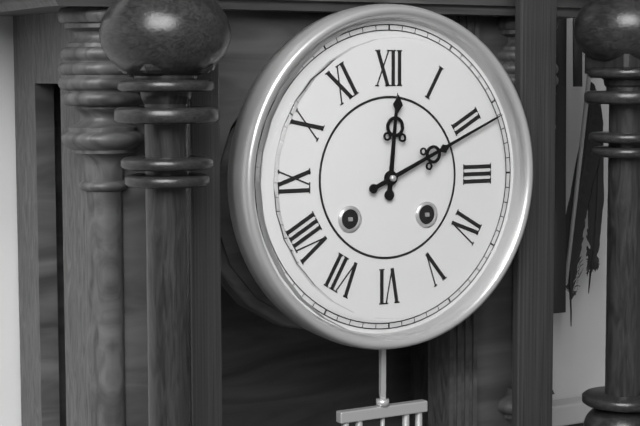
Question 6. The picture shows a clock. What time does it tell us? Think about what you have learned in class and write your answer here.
12:11
